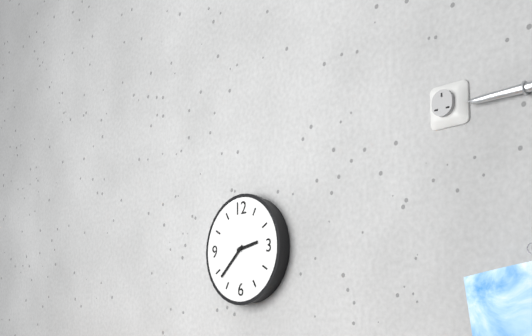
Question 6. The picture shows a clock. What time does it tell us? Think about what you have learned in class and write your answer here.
2:38
